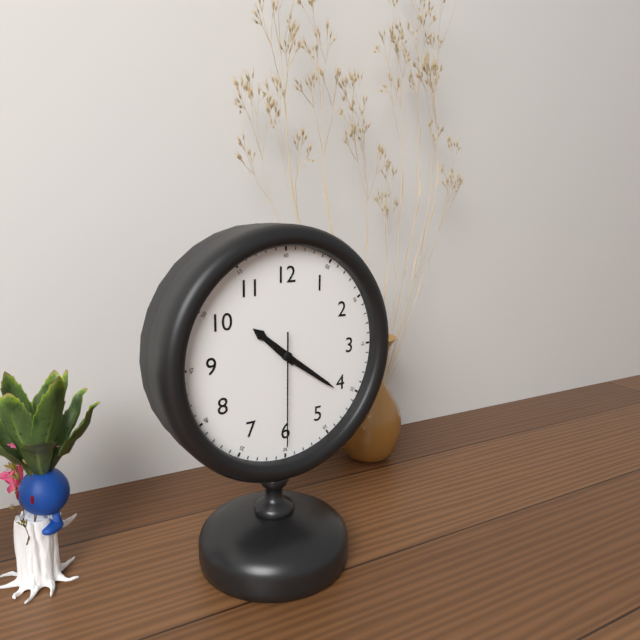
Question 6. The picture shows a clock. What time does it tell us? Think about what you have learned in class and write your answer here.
10:21:30
